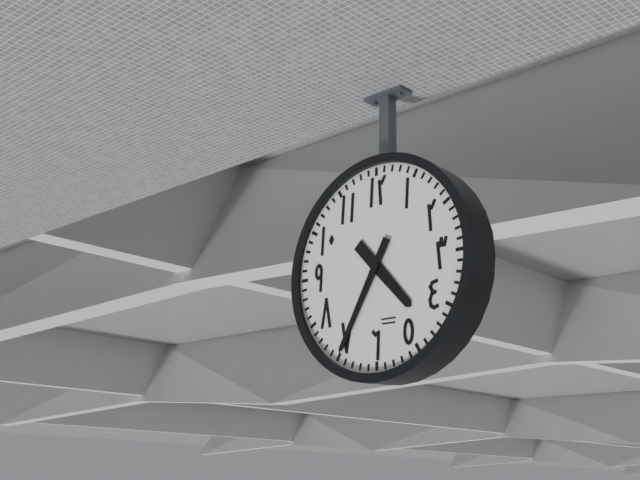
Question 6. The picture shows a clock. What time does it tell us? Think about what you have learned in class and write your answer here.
4:35
